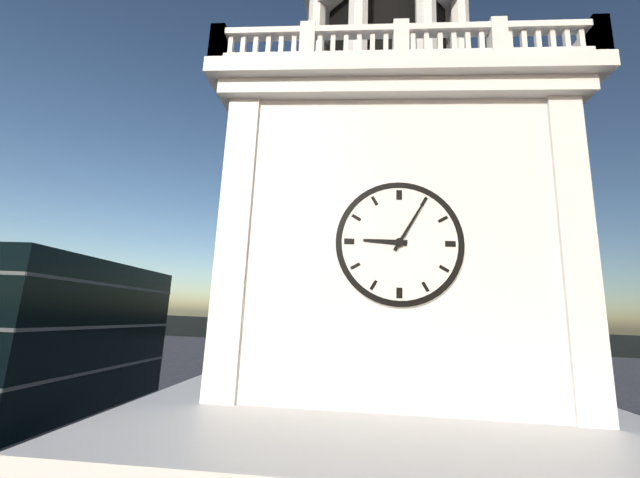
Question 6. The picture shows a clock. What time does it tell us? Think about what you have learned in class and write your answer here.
9:05
